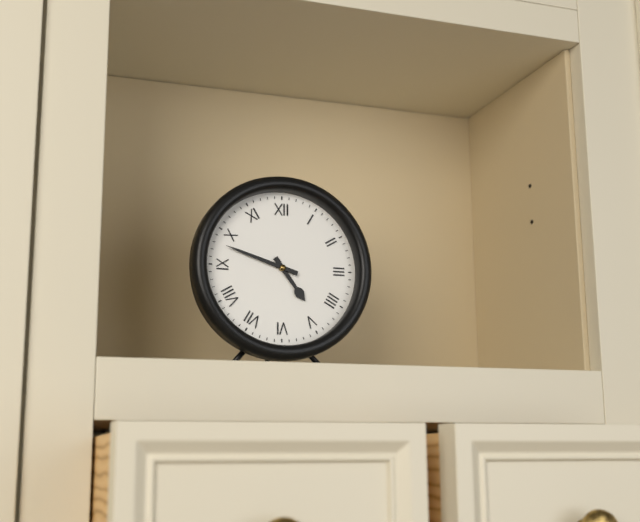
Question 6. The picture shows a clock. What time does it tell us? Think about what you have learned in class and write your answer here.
4:48
